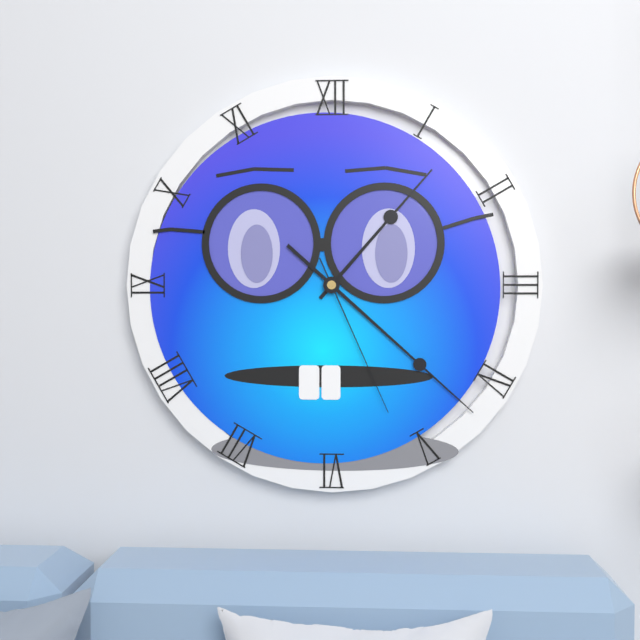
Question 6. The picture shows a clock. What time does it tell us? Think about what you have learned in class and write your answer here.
1:22:26
